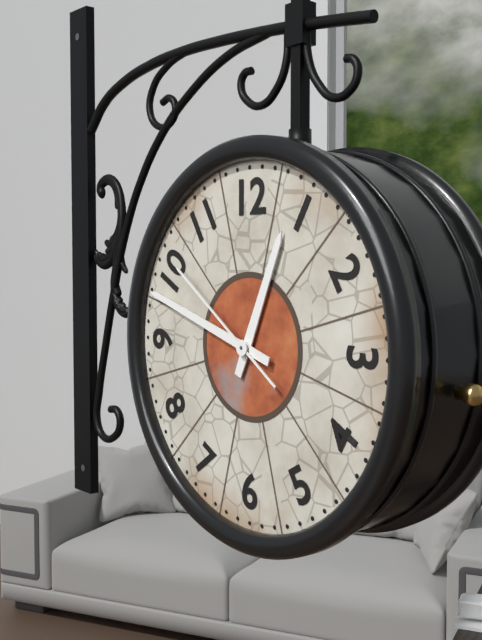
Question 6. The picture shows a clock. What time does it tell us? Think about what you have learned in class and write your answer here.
12:48:51
